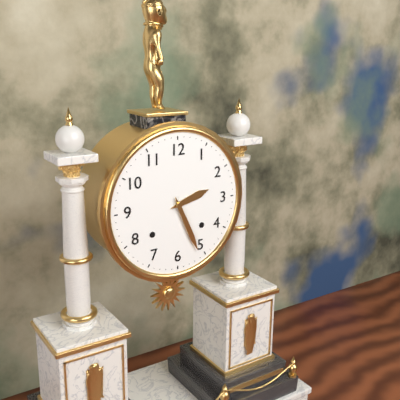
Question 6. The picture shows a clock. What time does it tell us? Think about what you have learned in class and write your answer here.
2:26
